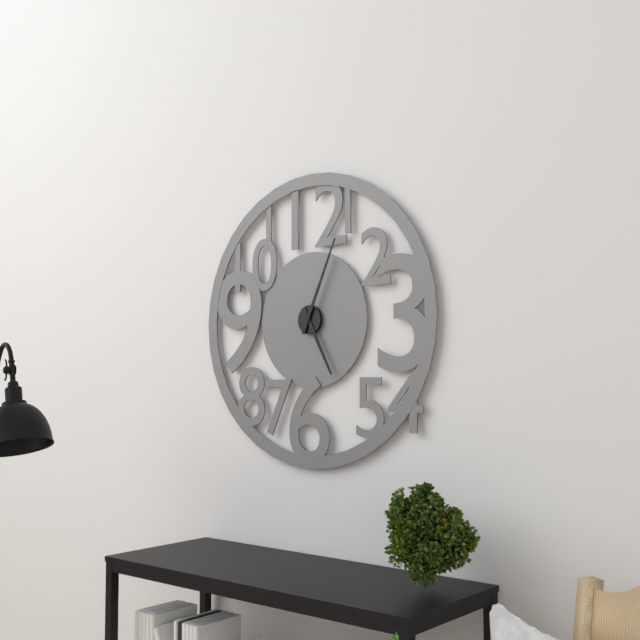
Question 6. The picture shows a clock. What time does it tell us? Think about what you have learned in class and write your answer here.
5:04
